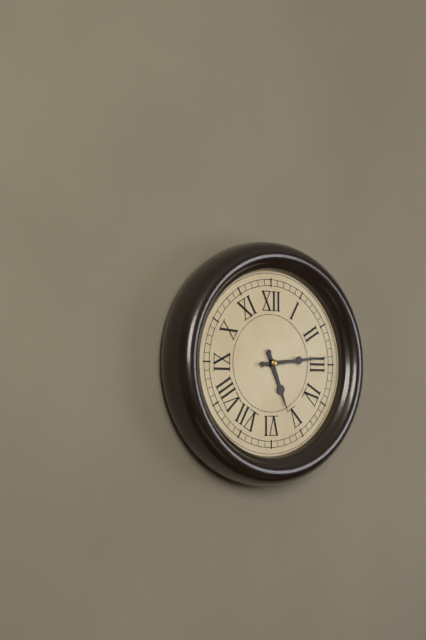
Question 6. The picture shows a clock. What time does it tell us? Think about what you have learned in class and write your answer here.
5:14
